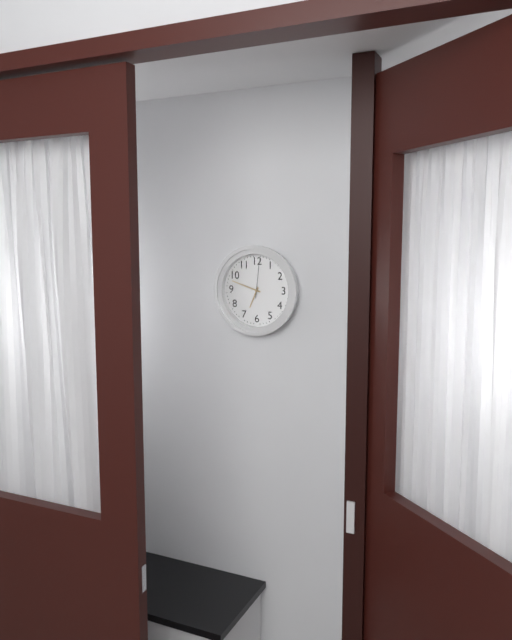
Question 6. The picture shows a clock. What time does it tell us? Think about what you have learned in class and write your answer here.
6:48
